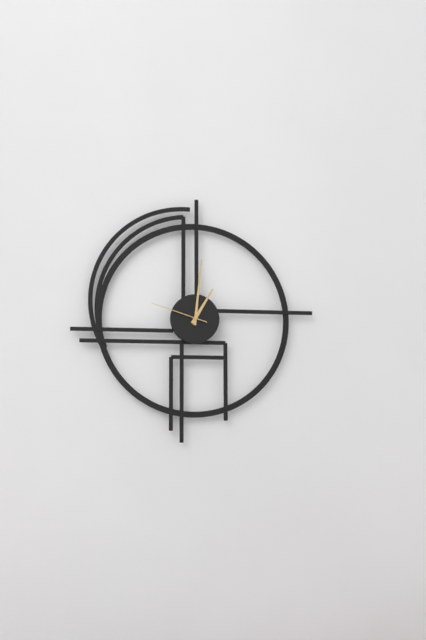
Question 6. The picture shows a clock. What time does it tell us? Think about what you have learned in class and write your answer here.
1:01:48
